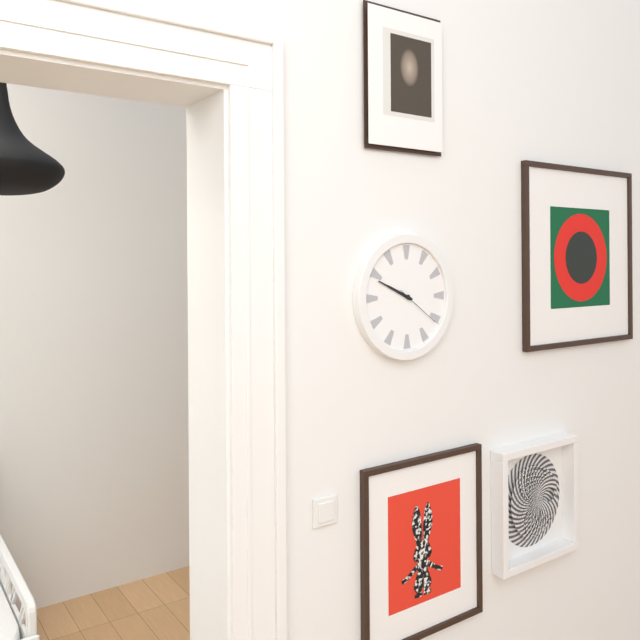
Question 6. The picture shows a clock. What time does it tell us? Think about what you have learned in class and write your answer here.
9:49
